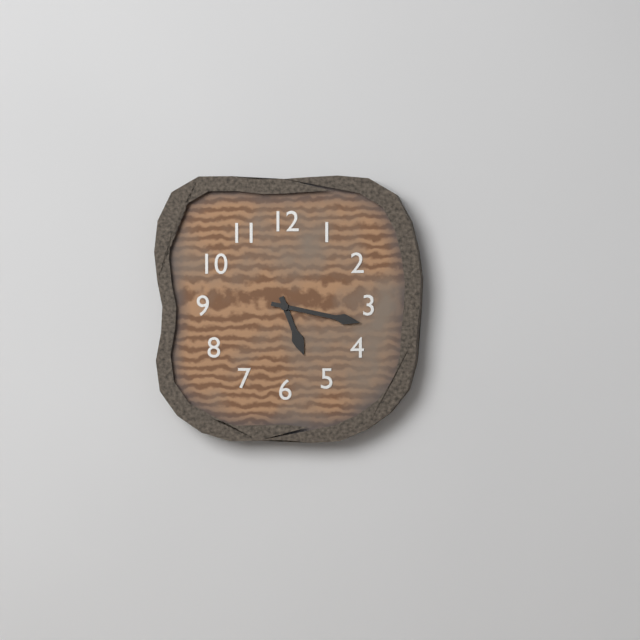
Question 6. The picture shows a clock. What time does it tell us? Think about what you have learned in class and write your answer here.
5:17
